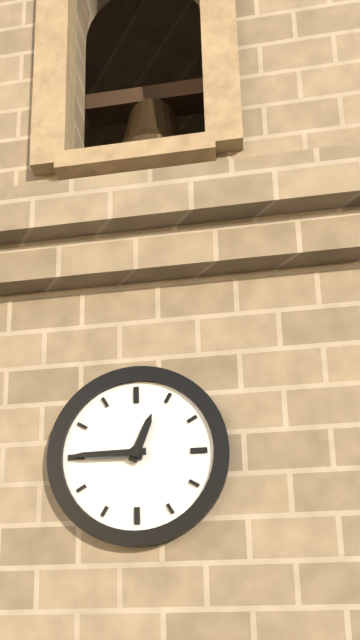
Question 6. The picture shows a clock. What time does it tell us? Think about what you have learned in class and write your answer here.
12:45
